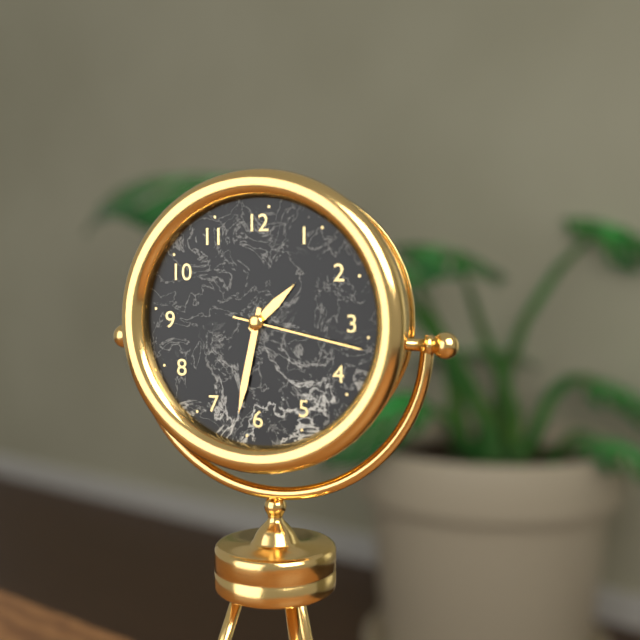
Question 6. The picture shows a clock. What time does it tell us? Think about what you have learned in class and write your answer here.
1:32:17
